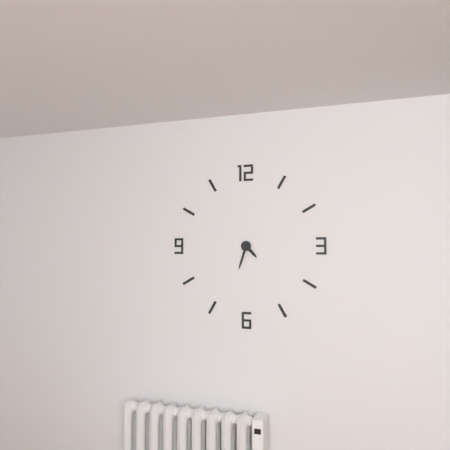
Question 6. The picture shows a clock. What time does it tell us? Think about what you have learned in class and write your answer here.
4:33
